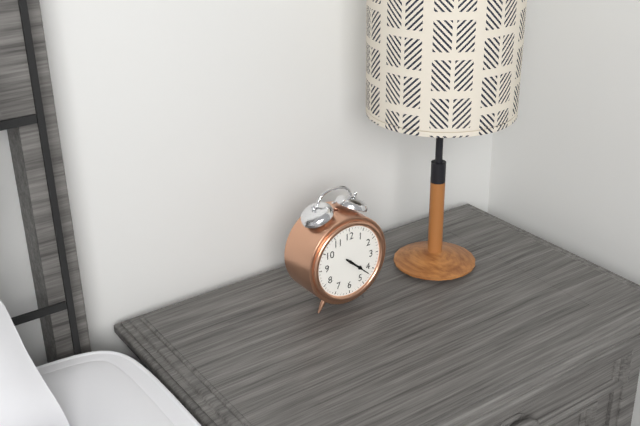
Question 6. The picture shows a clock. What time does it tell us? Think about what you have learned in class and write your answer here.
4:22
